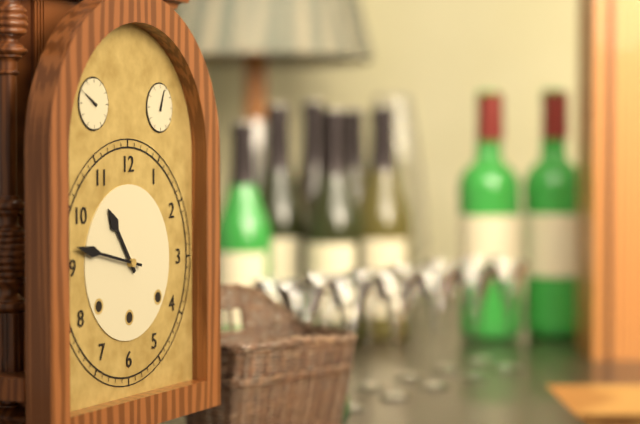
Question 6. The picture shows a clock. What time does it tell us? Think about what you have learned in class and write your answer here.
10:47
